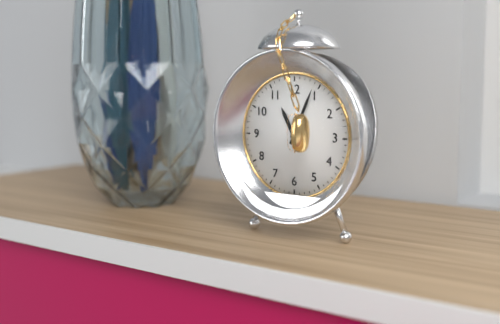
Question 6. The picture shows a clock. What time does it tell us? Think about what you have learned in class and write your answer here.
11:04
